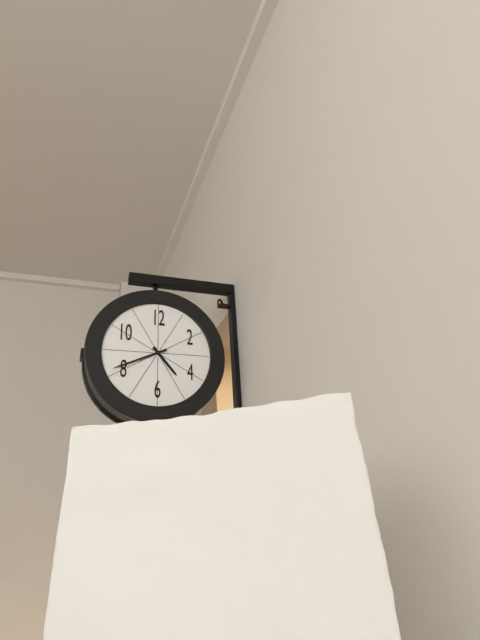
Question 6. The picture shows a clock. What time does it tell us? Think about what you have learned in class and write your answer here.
4:41
